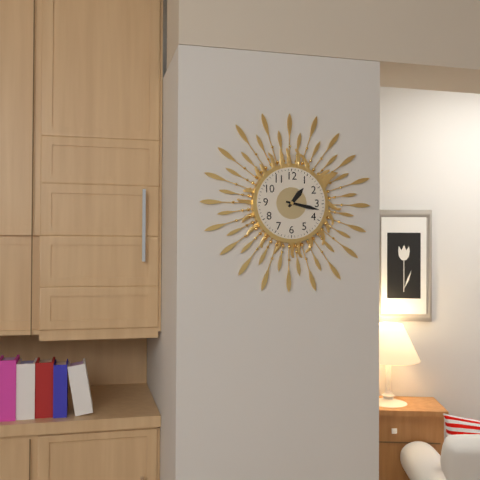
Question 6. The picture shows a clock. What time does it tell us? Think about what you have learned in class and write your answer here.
1:17
